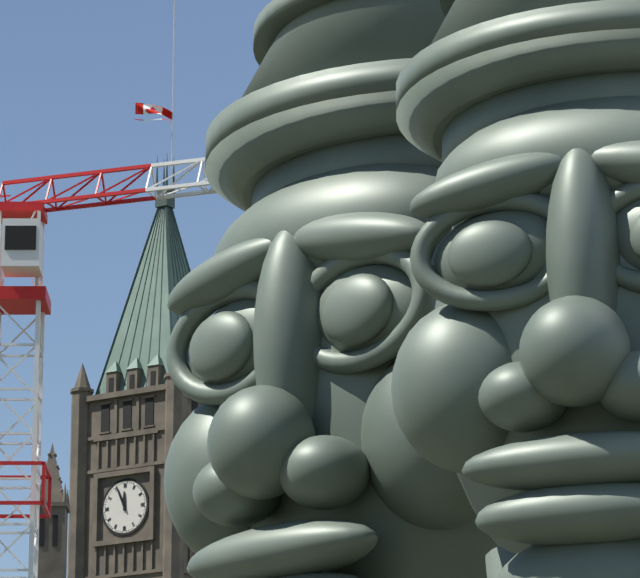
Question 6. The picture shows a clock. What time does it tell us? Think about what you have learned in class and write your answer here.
11:56
